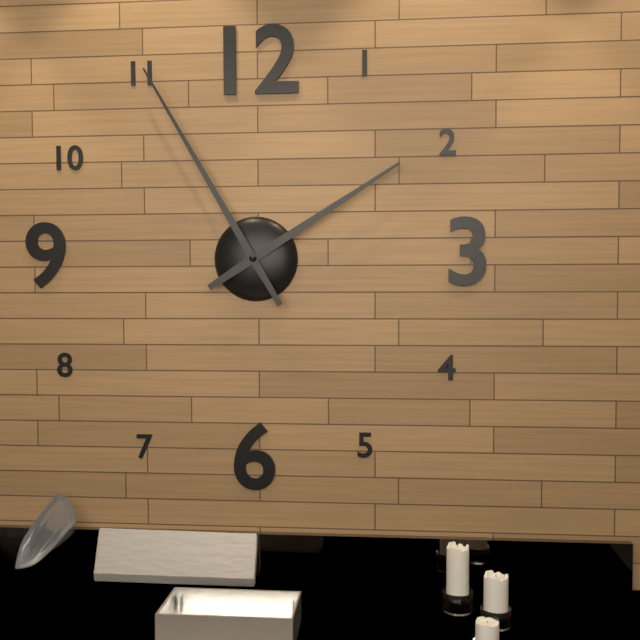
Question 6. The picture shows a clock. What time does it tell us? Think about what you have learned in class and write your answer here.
1:55
